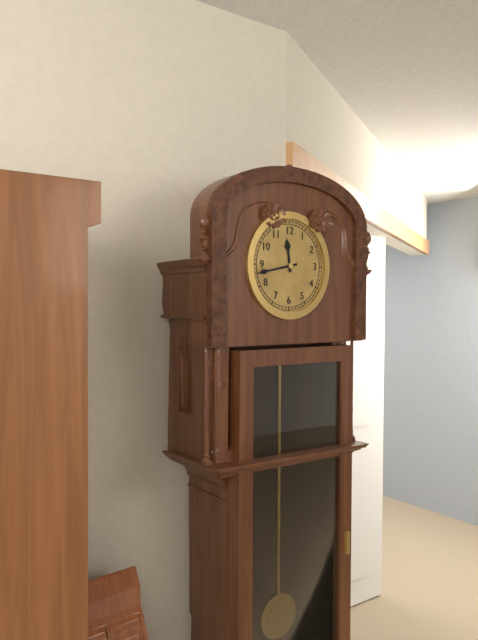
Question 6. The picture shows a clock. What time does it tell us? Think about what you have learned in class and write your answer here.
11:43
